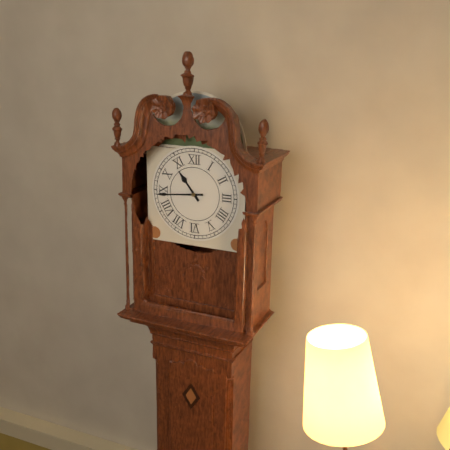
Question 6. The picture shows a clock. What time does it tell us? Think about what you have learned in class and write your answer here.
10:44
